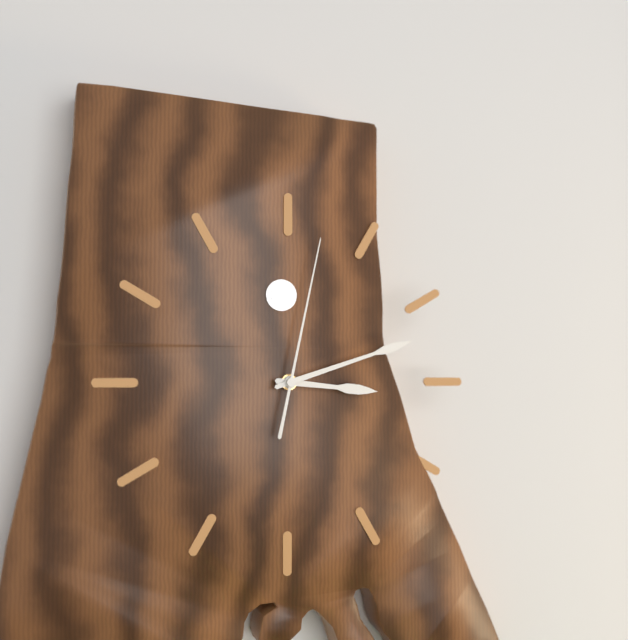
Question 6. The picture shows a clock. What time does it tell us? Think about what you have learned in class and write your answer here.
3:12:02
